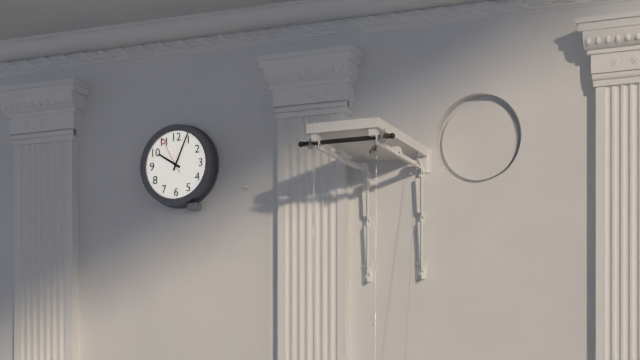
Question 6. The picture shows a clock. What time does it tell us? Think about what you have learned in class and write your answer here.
10:04
